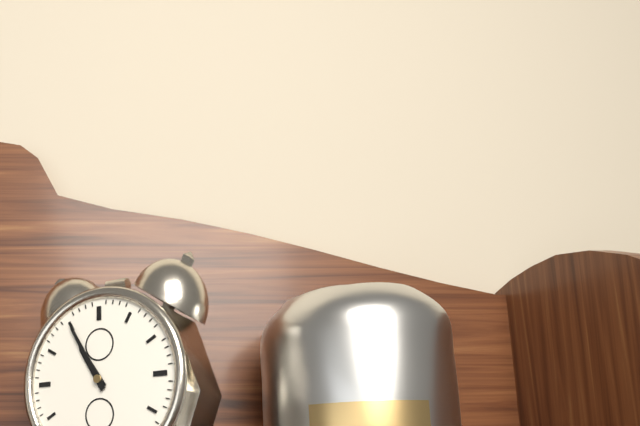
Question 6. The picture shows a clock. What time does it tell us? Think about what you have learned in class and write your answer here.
10:55
